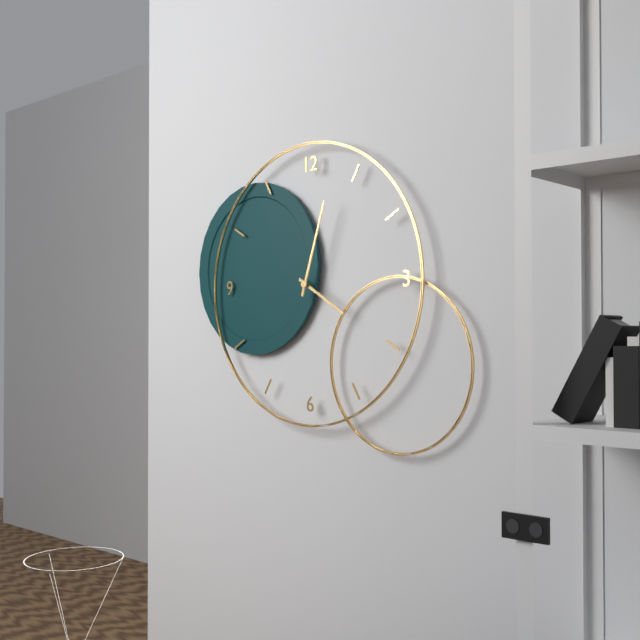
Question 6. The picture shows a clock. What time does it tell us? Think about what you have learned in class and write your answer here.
4:03
